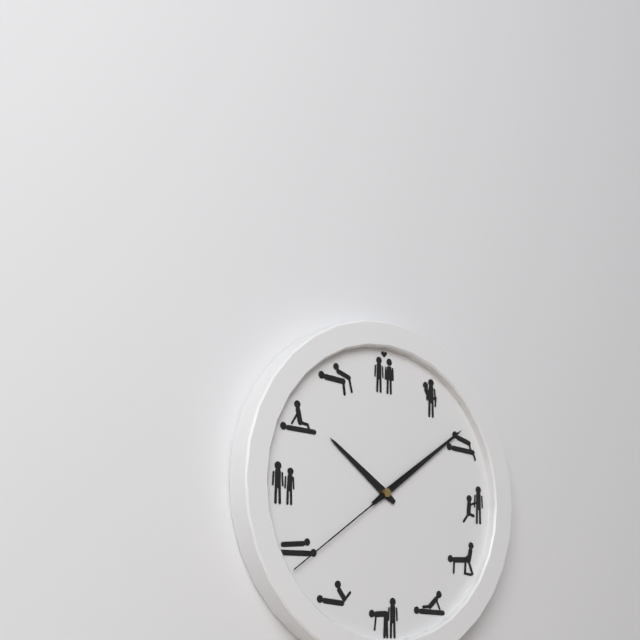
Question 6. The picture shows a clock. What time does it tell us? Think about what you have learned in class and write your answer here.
10:09:39
